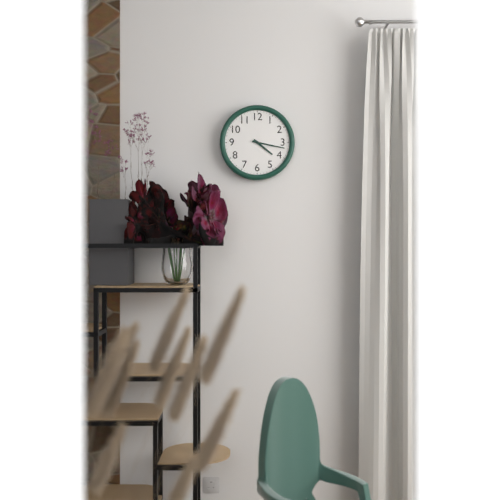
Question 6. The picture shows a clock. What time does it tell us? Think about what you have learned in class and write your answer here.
4:17
